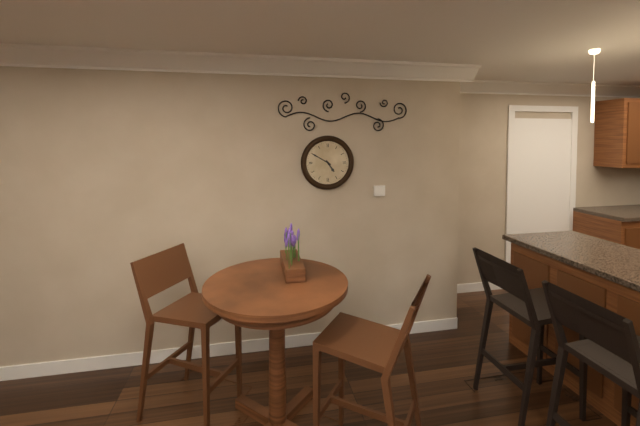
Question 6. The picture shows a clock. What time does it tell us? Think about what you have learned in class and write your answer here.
4:50
